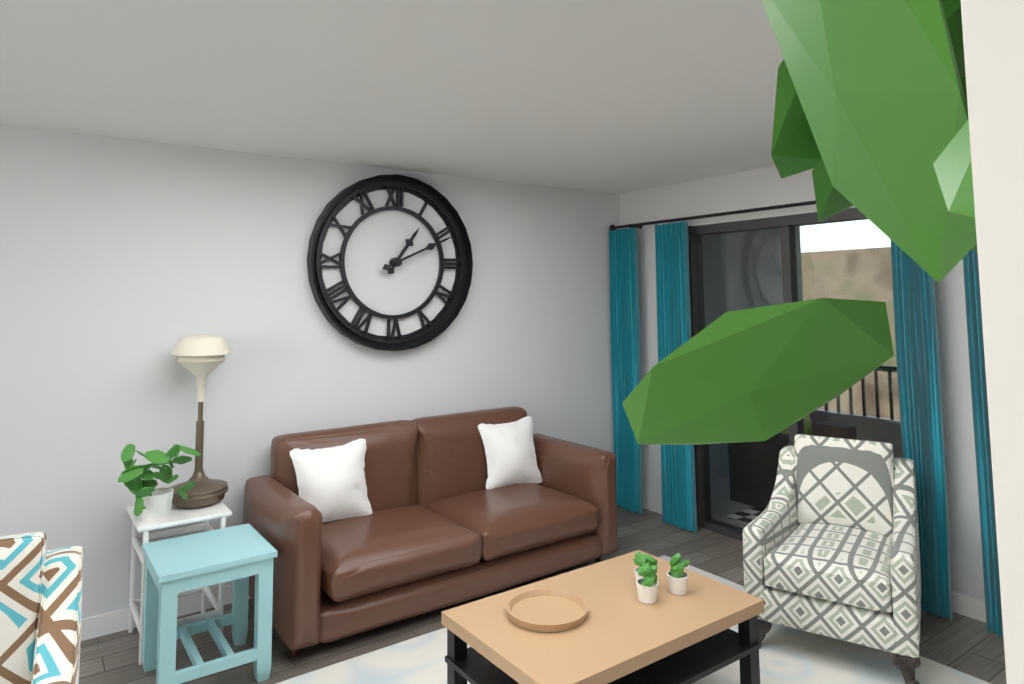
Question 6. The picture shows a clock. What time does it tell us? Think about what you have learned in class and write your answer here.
1:11
